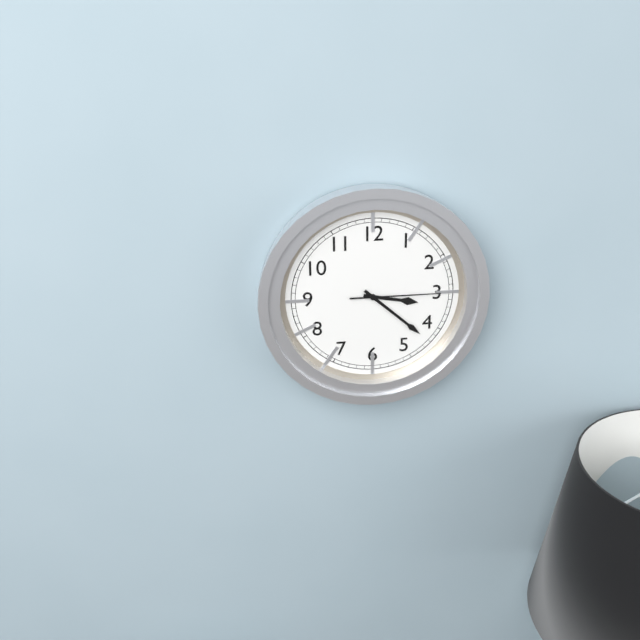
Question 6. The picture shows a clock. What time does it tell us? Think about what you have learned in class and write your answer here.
3:22:15
